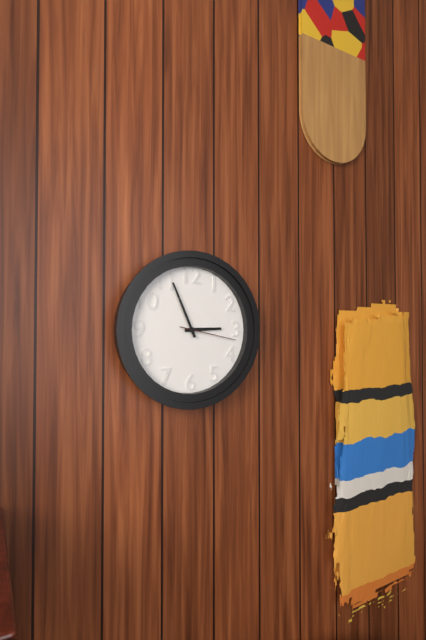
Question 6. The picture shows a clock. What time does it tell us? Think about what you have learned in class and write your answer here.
2:56:17
